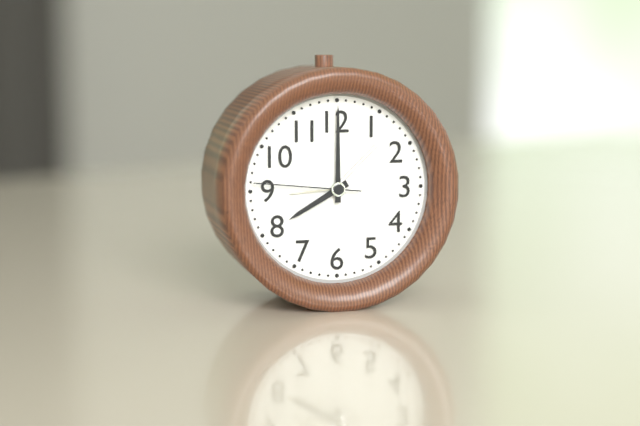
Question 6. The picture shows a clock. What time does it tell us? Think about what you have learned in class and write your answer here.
8:00:46
